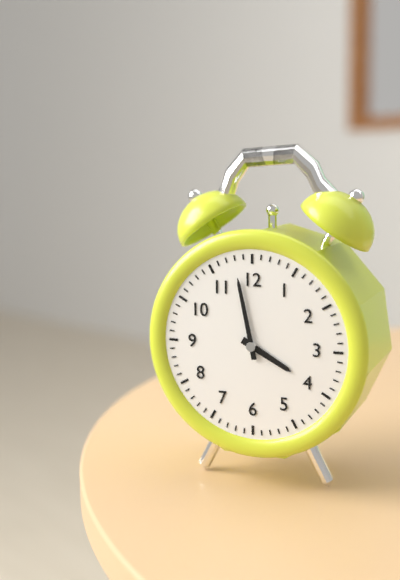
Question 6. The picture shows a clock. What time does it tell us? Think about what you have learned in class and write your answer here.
3:58
